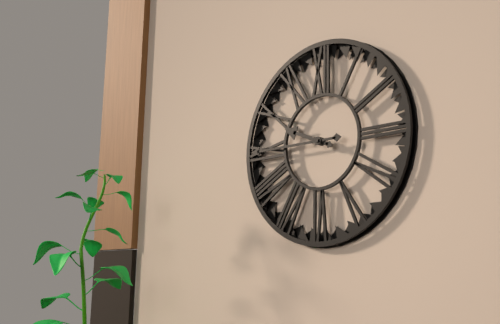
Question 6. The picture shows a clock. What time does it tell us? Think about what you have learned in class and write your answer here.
9:45
